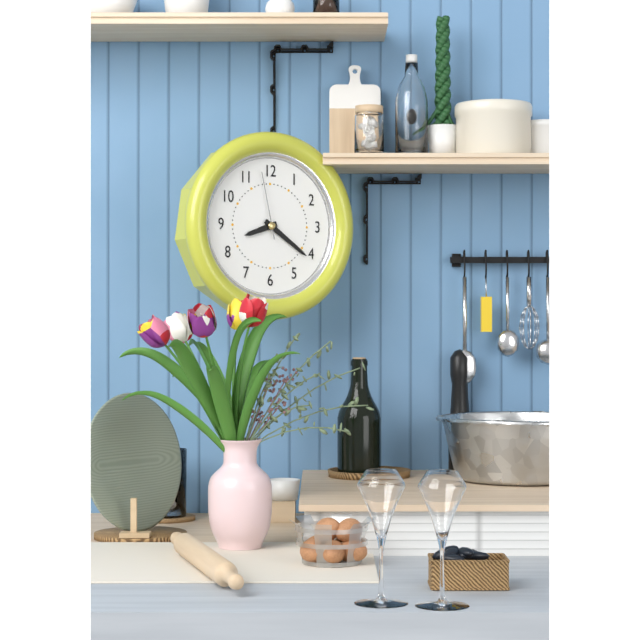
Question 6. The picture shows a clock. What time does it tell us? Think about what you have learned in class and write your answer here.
8:21:58
